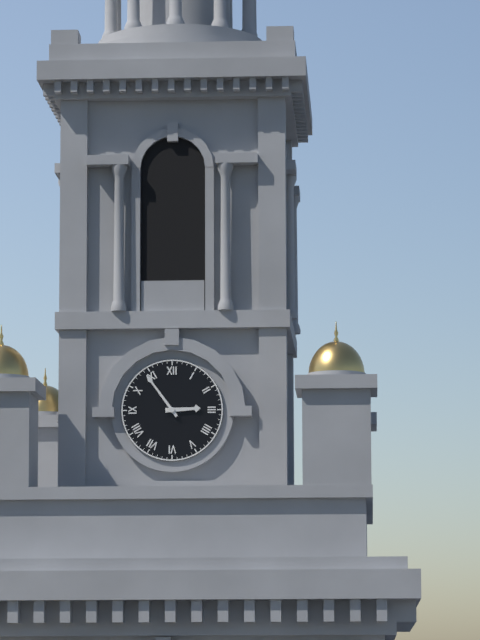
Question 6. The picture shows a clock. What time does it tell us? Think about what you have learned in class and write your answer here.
2:54
